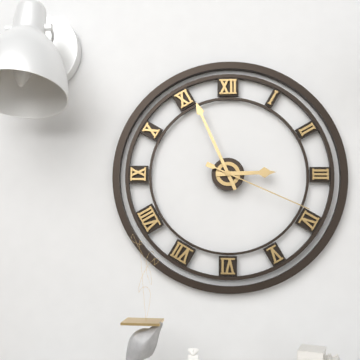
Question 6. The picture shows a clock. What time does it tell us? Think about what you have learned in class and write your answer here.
2:56:19
